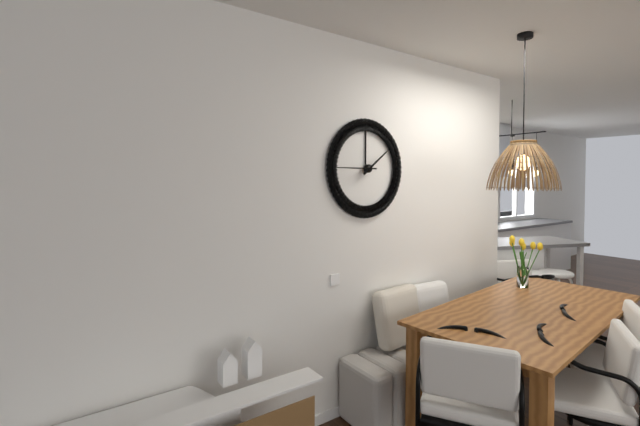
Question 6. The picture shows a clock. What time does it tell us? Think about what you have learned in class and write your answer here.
1:45
